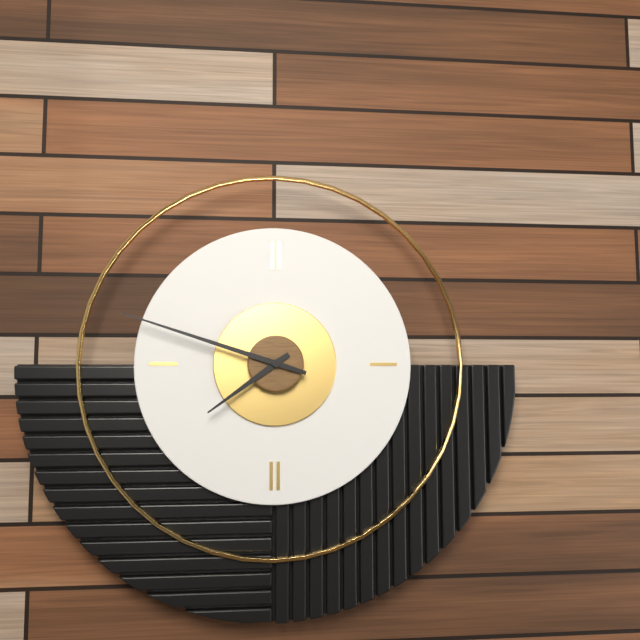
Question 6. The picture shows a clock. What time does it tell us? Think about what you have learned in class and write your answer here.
7:48
